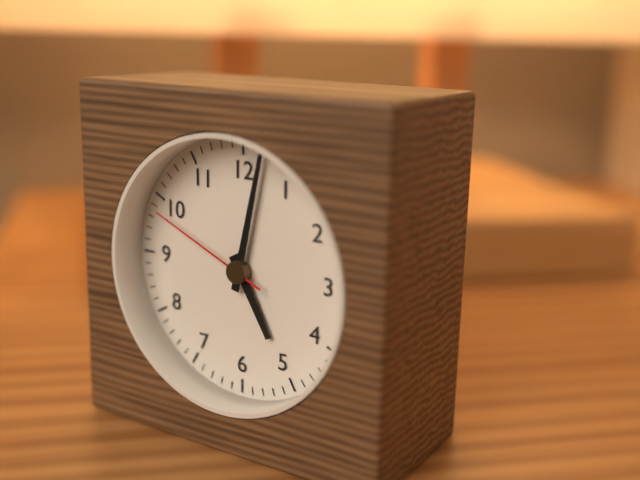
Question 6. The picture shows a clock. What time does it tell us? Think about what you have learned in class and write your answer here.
5:02:49
